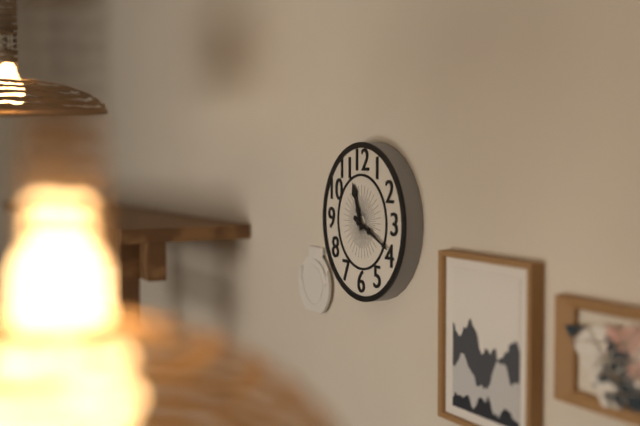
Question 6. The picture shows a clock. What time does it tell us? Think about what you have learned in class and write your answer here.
11:19
